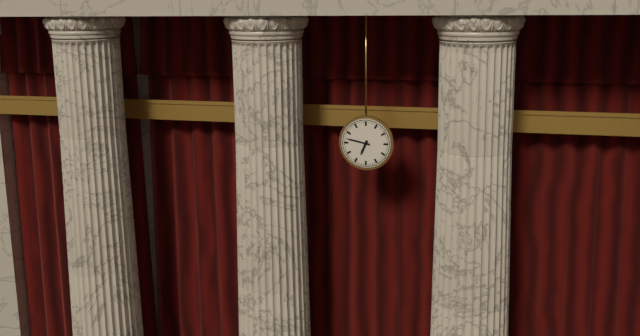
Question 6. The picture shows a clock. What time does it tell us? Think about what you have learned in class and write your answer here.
6:47
